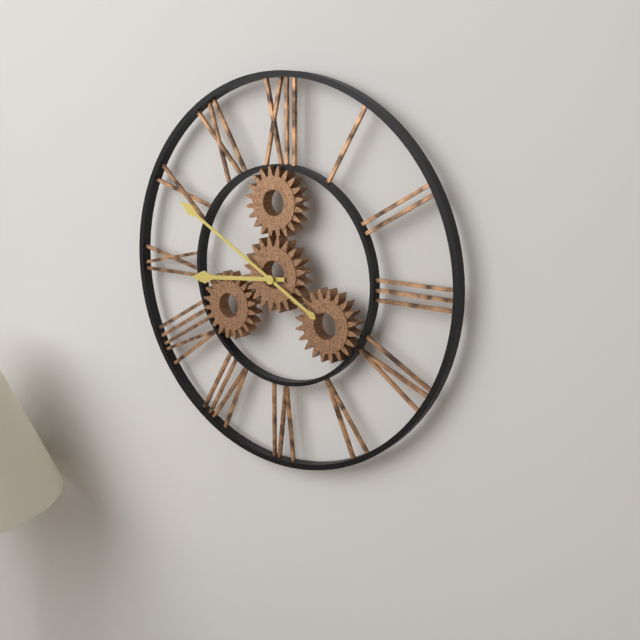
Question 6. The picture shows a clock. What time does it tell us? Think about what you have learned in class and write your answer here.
8:50
